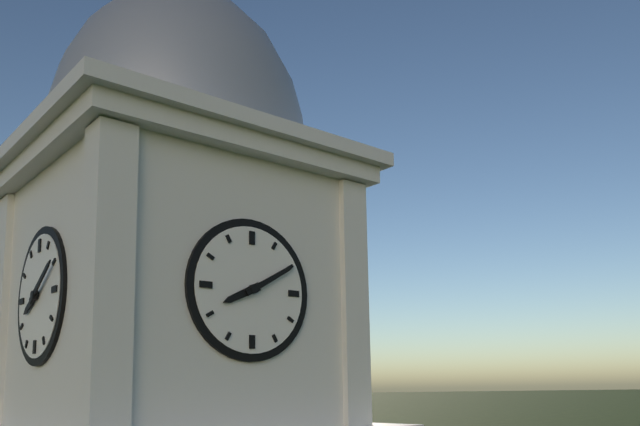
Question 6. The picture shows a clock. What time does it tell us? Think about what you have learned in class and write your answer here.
8:10
